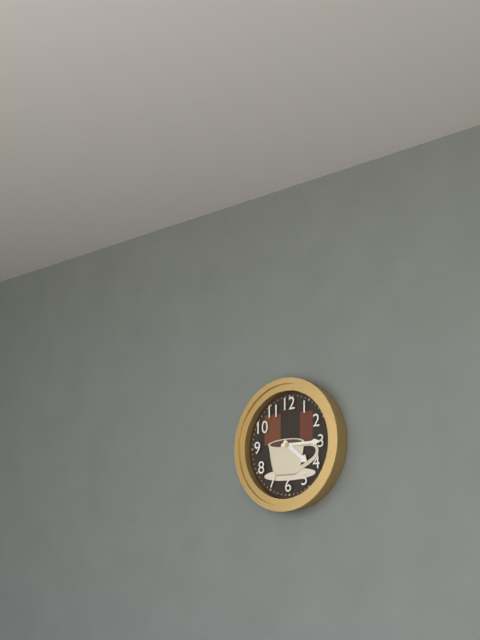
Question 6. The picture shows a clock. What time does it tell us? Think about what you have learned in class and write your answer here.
4:15
